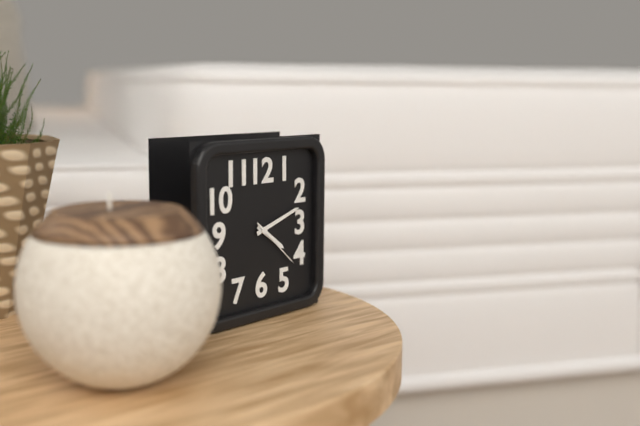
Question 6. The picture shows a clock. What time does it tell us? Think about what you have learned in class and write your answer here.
4:12:22
